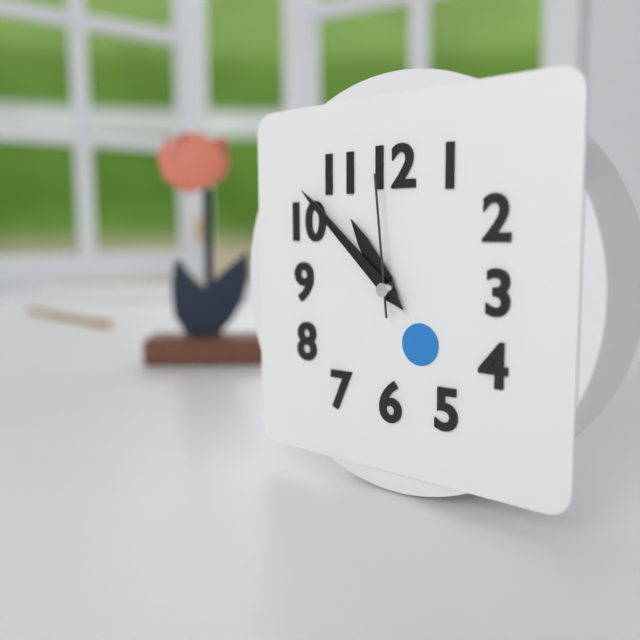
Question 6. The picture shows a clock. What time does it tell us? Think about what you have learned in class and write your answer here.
10:52:59
